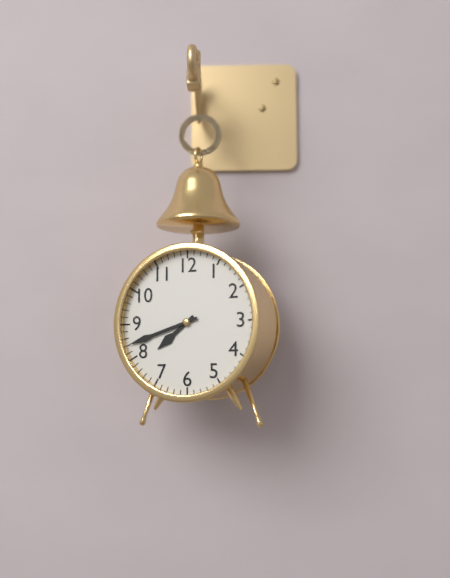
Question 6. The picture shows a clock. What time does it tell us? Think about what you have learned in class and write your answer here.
7:42
